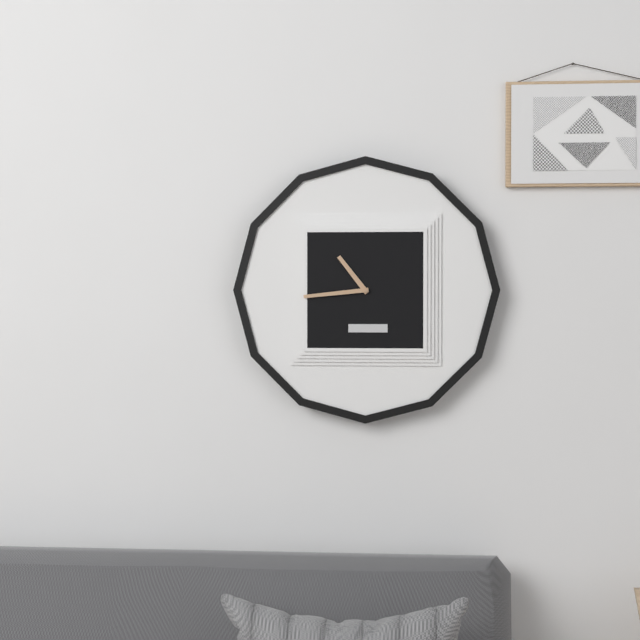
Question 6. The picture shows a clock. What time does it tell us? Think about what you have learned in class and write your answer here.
10:44
